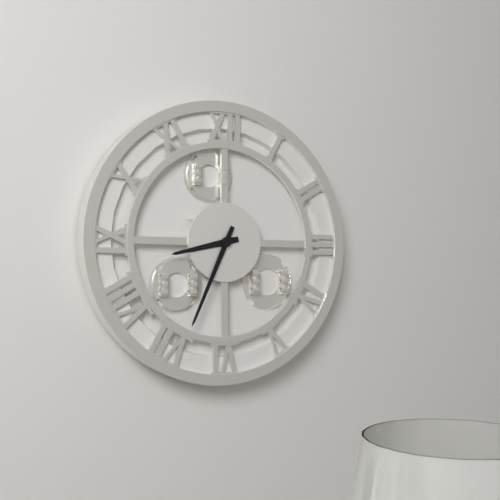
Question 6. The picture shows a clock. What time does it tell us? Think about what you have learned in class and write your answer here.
8:34
